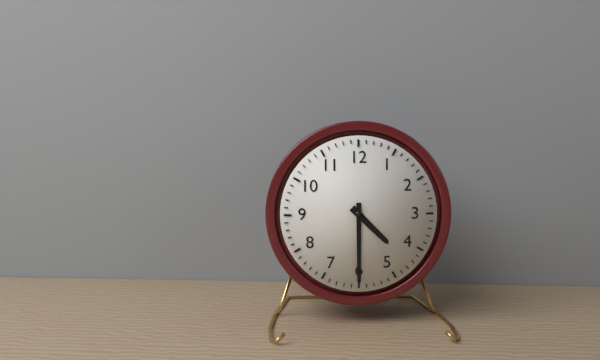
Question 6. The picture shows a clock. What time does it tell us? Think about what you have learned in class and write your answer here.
4:30
